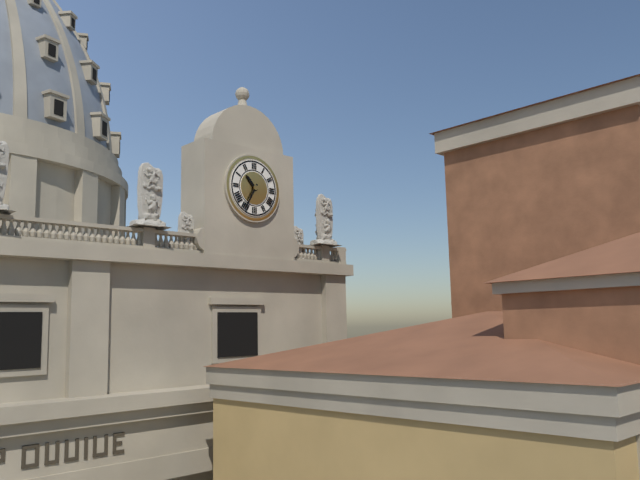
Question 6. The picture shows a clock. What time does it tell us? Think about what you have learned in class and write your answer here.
10:35
